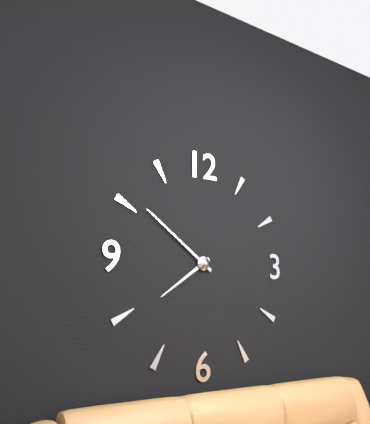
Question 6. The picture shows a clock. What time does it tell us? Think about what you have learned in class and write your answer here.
7:51
